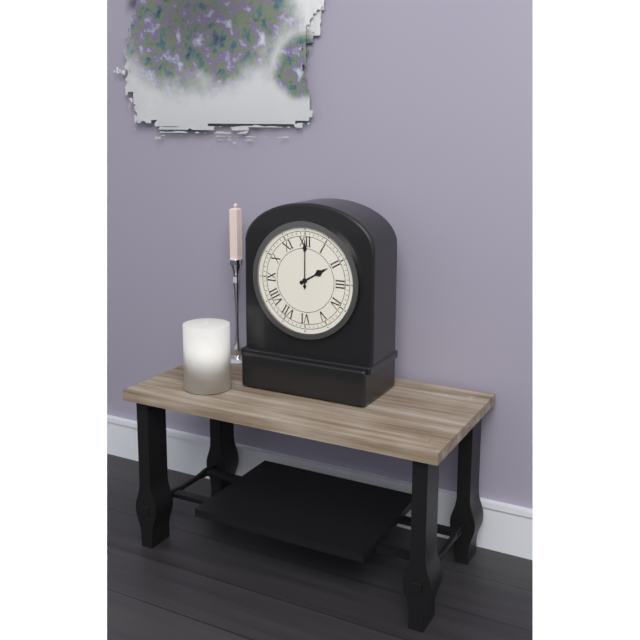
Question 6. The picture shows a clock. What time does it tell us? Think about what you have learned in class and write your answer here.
2:00
